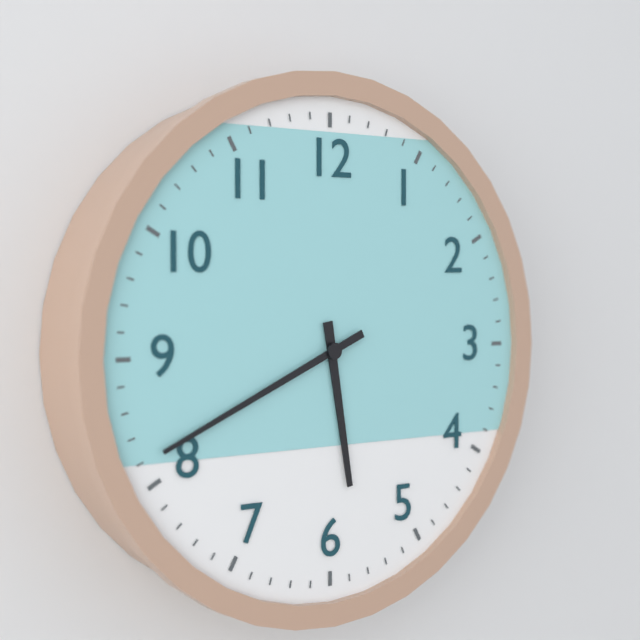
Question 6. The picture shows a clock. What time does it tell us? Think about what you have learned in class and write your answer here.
5:41
